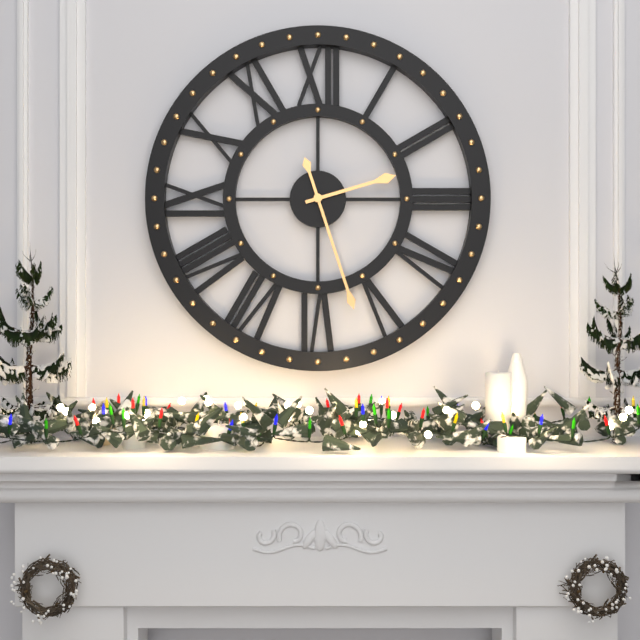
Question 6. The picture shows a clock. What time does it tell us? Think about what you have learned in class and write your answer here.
2:27
